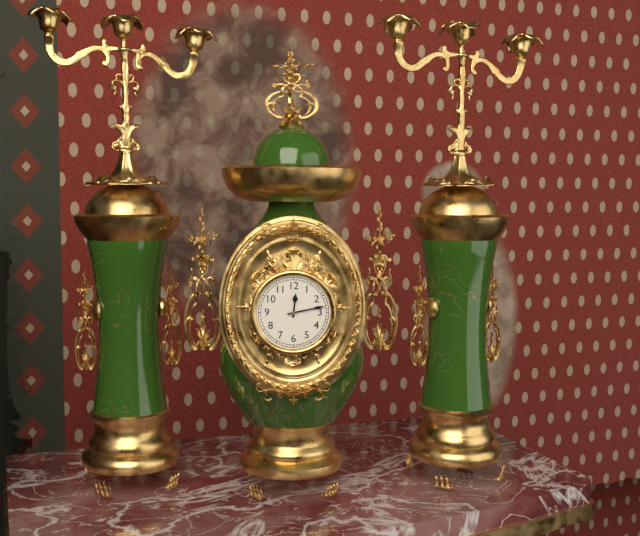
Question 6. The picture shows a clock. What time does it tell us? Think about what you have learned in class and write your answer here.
12:13
